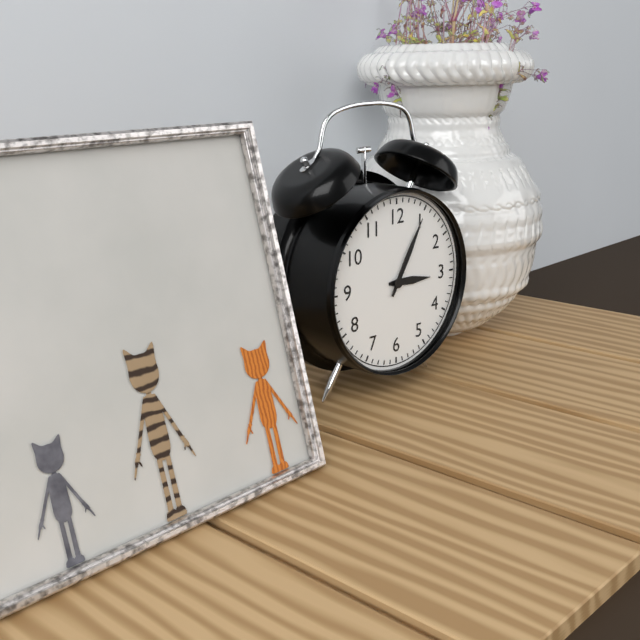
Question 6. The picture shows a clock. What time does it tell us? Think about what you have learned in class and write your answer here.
3:05
